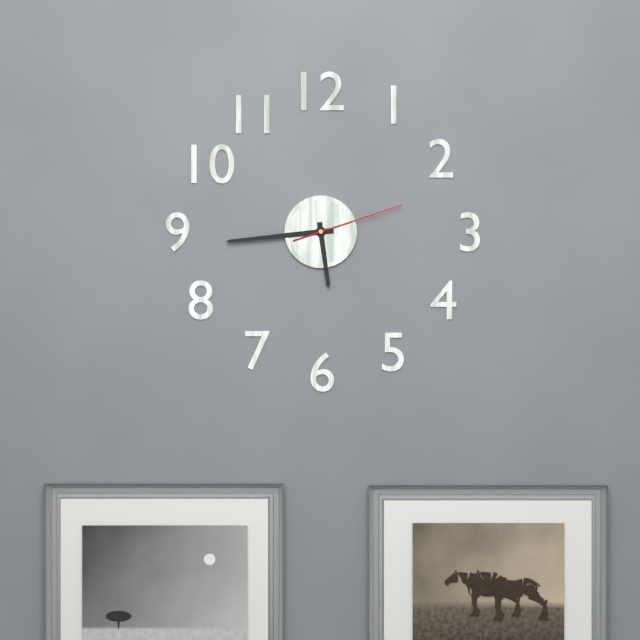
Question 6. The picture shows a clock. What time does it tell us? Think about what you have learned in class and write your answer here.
5:44:12
